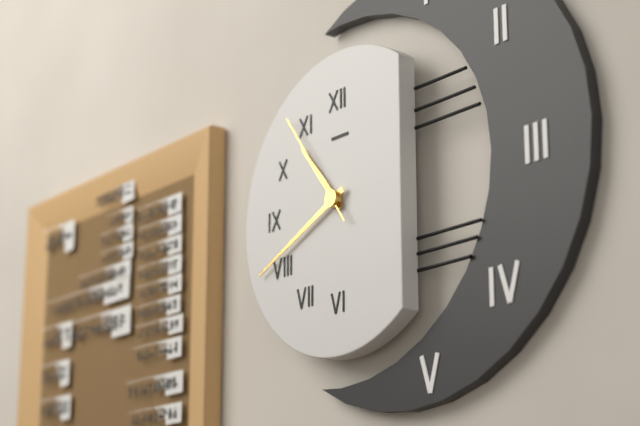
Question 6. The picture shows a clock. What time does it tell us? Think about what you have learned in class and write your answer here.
10:41:54
